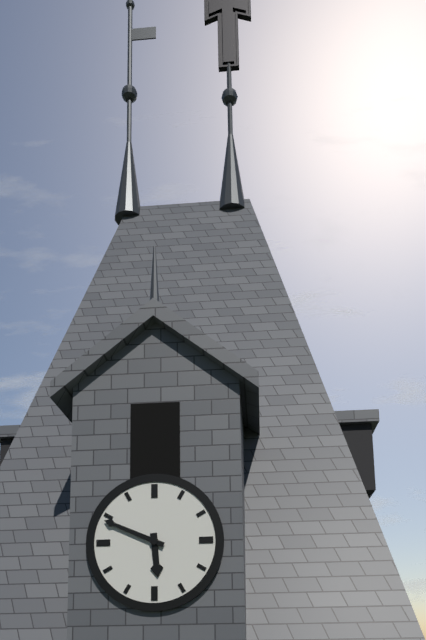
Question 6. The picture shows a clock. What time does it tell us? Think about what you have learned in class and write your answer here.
5:49
